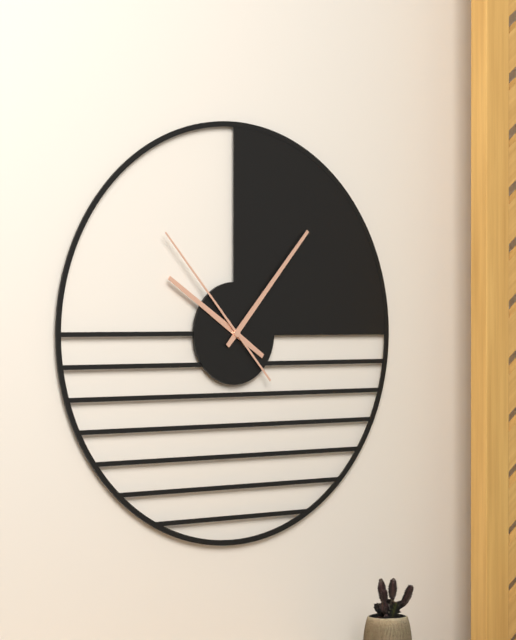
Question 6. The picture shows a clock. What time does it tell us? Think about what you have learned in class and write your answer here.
10:07:53
